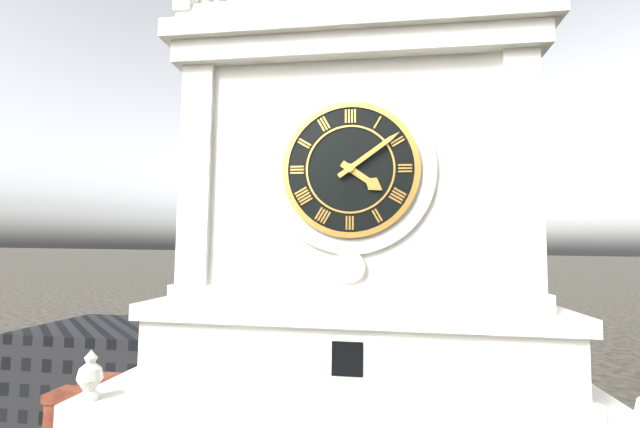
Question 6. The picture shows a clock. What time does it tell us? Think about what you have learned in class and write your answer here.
4:09
